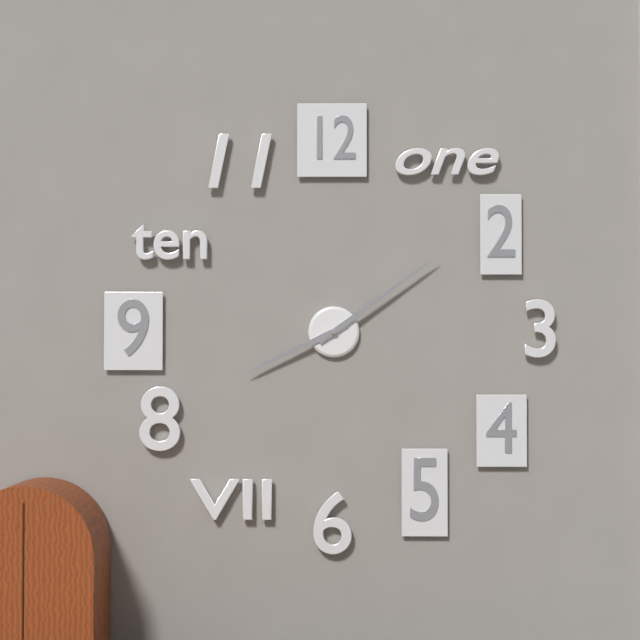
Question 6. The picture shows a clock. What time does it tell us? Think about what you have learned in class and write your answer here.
8:09
